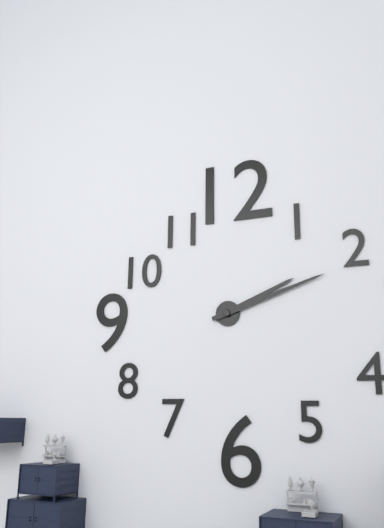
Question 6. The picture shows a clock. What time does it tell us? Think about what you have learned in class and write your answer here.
2:12
